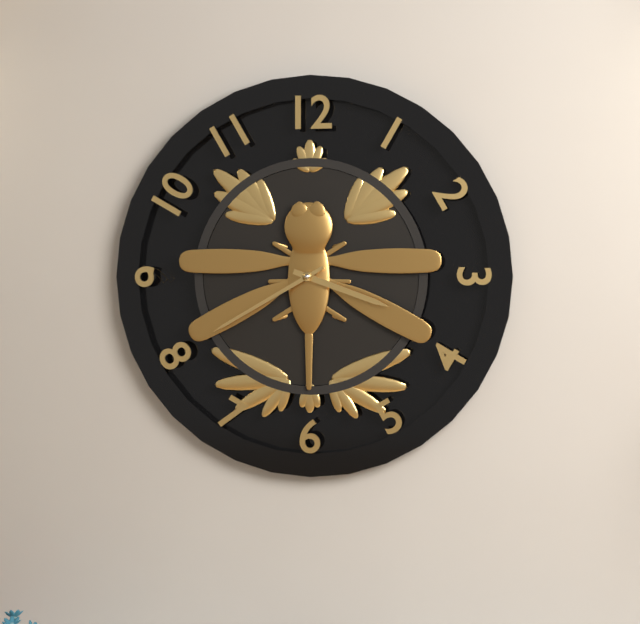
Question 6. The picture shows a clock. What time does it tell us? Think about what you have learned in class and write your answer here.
3:40
